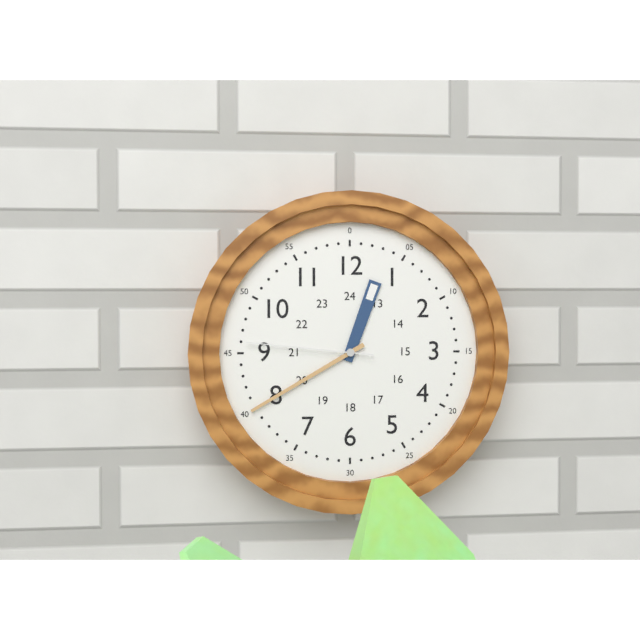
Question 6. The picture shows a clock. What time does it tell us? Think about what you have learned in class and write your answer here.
12:40:46
